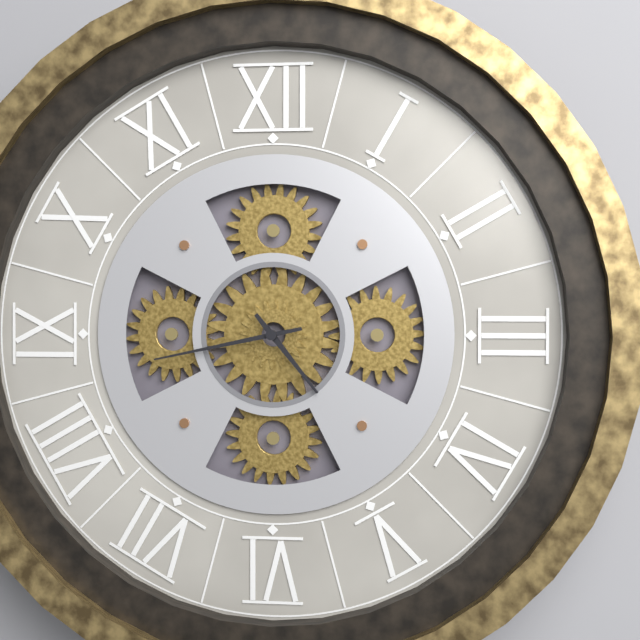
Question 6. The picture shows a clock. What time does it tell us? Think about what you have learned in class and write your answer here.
4:43
